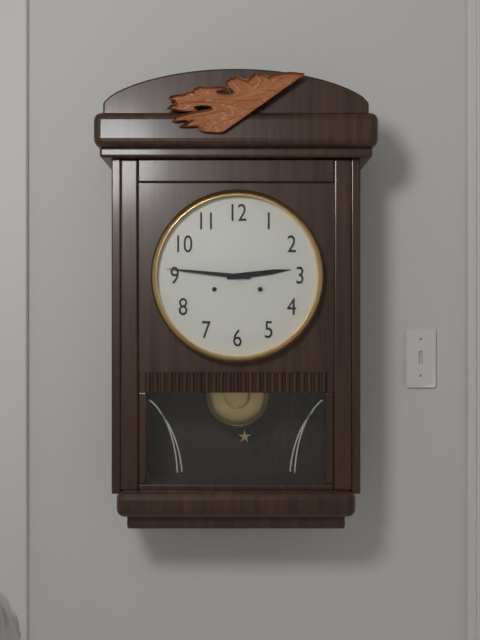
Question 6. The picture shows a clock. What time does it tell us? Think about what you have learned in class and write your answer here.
2:46
